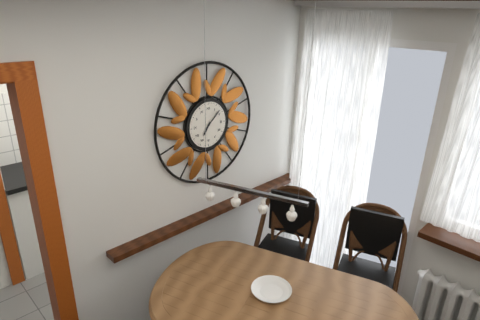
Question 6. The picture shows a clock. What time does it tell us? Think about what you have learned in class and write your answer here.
7:08
